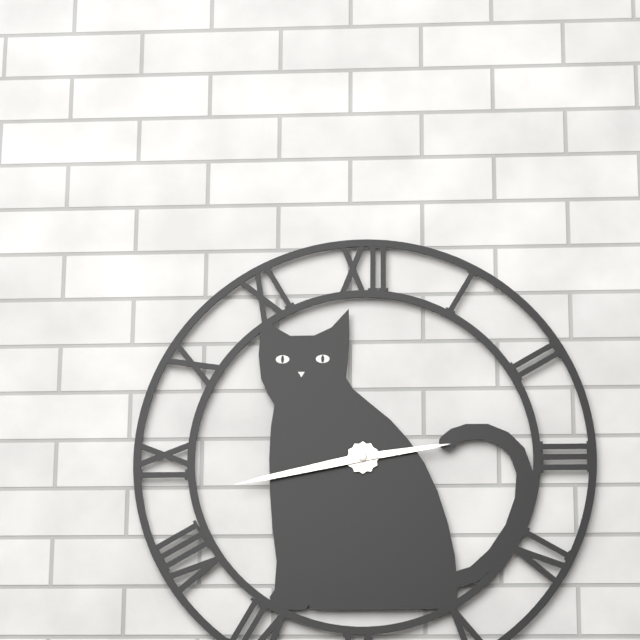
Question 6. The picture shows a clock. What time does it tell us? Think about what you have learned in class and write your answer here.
2:43
